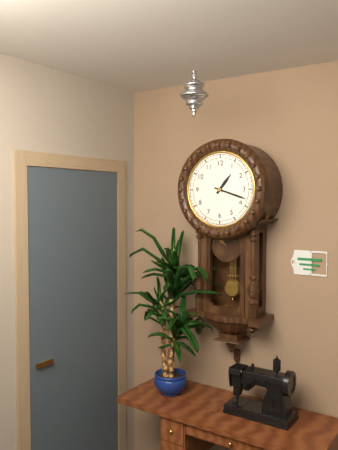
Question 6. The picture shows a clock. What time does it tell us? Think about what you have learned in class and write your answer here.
1:18
